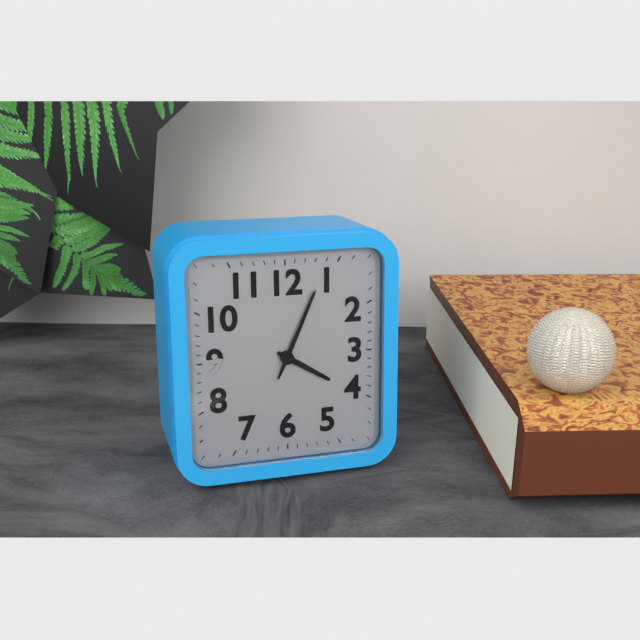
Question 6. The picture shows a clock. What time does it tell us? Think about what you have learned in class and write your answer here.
4:04
